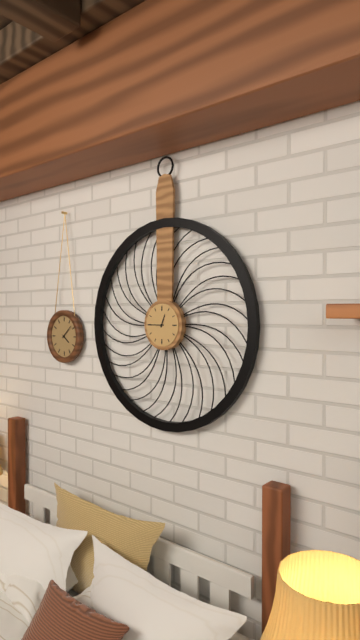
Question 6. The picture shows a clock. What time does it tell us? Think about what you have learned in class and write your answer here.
12:45
